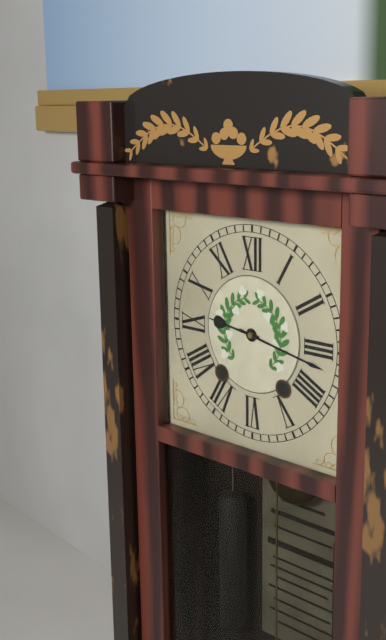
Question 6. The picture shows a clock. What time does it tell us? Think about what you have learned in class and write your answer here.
9:17
